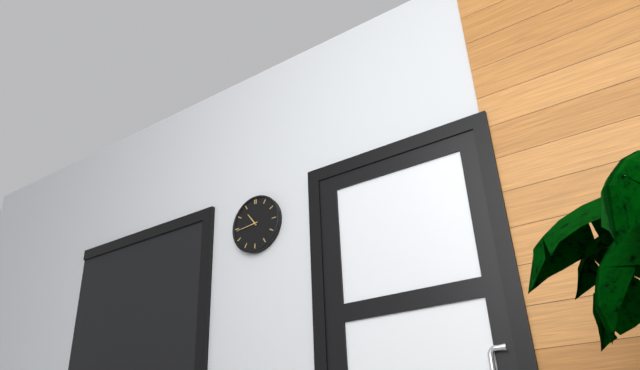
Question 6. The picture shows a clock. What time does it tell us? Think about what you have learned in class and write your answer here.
10:44
